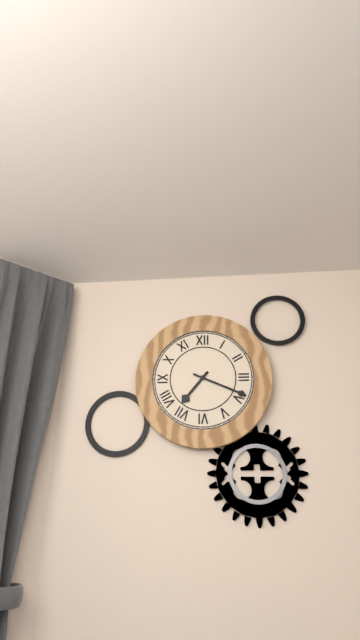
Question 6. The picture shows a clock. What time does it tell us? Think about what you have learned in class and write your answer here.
7:19
